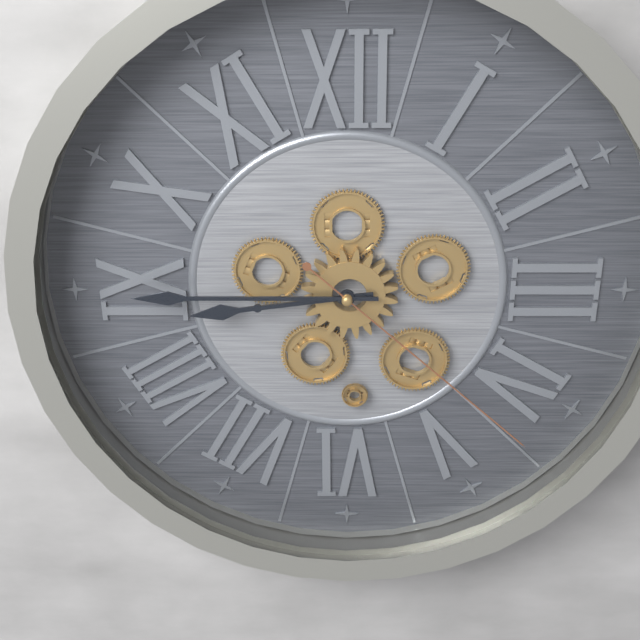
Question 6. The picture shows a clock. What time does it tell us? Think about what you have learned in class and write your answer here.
8:45:22
